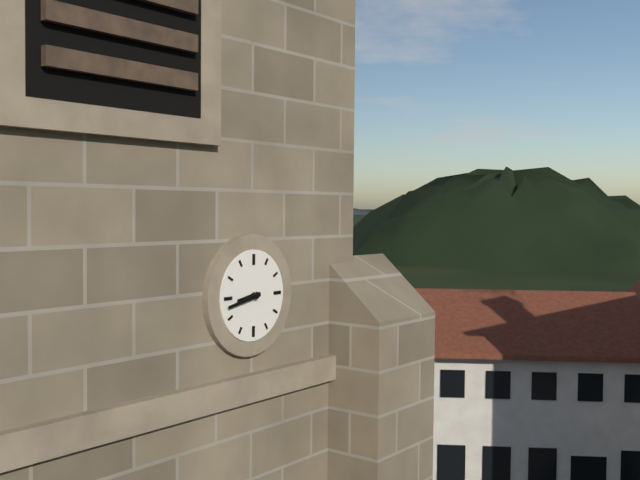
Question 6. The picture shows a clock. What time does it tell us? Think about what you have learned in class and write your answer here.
8:43
